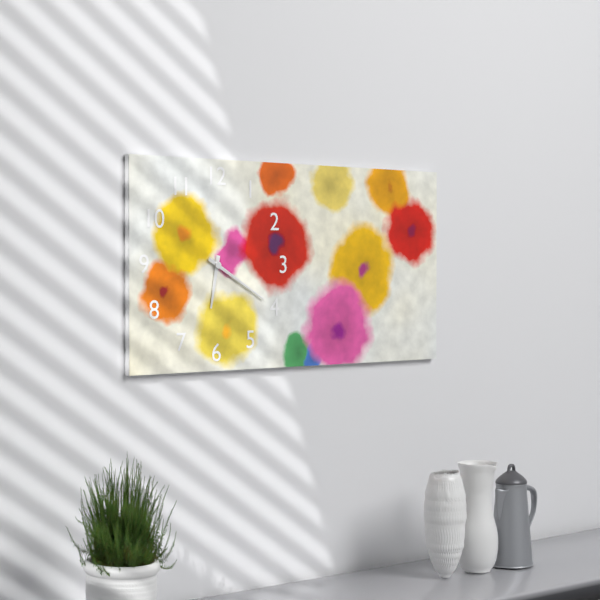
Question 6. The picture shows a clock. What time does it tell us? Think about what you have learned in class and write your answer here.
6:20
